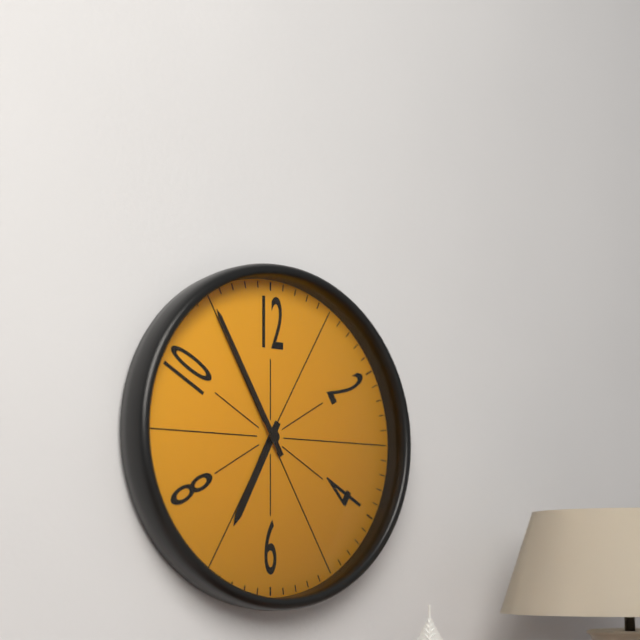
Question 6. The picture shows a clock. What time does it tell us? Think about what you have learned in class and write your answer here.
6:55
